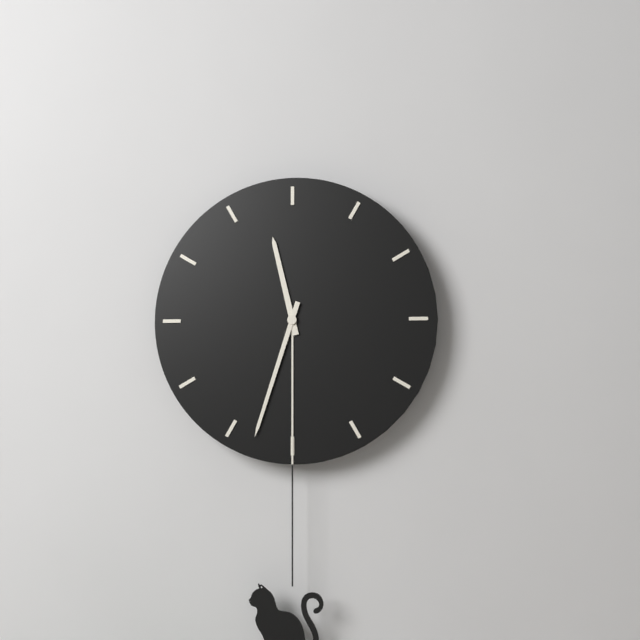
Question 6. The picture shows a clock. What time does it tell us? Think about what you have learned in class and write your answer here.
11:33
